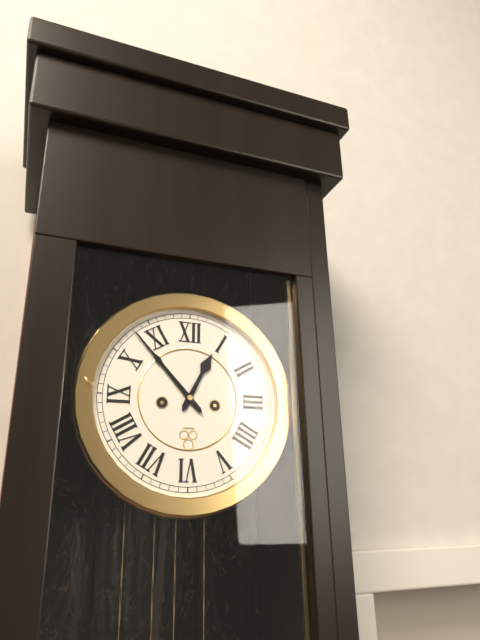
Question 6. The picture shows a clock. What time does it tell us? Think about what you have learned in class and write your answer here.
12:53
